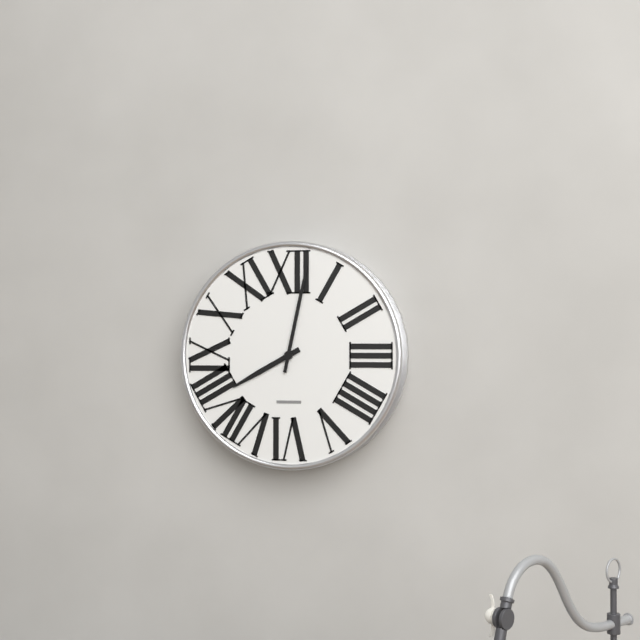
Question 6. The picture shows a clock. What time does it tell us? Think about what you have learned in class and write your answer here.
8:02
